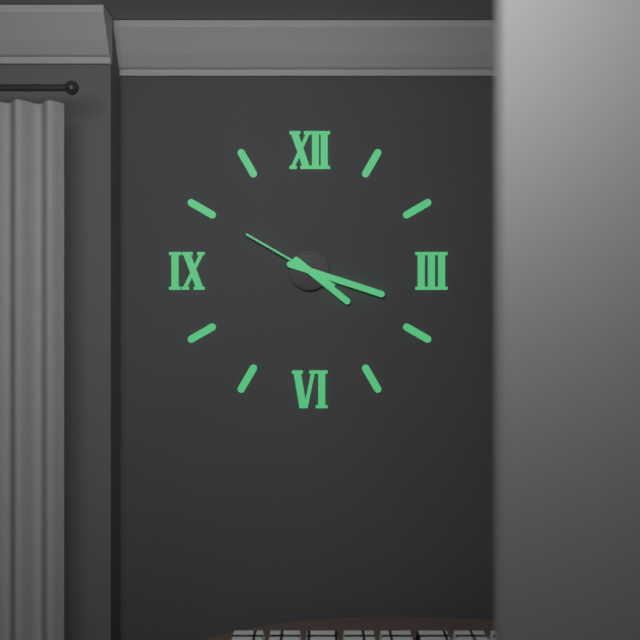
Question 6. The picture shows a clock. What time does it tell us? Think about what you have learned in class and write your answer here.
4:18:50
